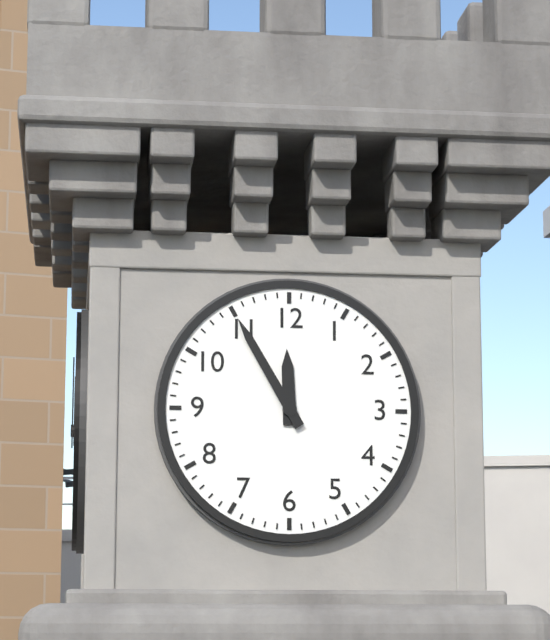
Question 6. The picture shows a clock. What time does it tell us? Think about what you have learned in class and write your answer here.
11:55
